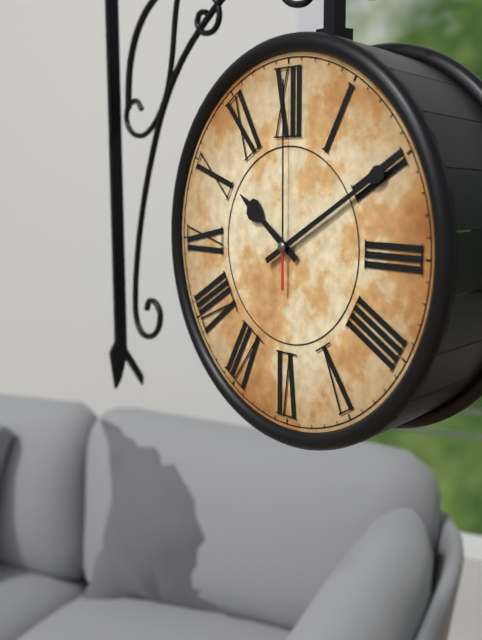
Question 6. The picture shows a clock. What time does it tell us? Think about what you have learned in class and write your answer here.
10:10:00
